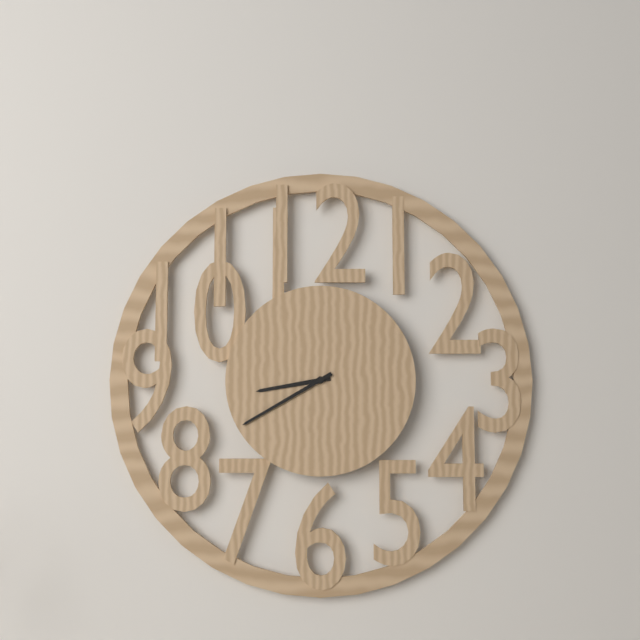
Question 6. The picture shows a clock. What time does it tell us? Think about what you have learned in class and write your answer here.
8:40
